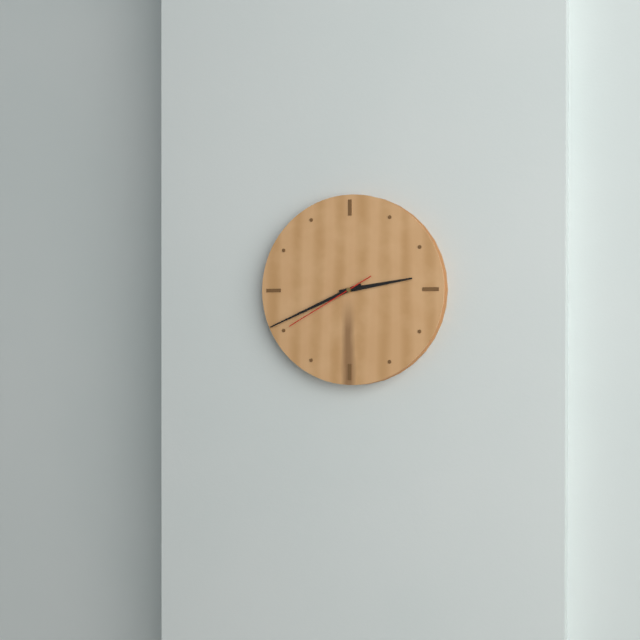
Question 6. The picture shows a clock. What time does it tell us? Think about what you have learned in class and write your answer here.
2:41:40
